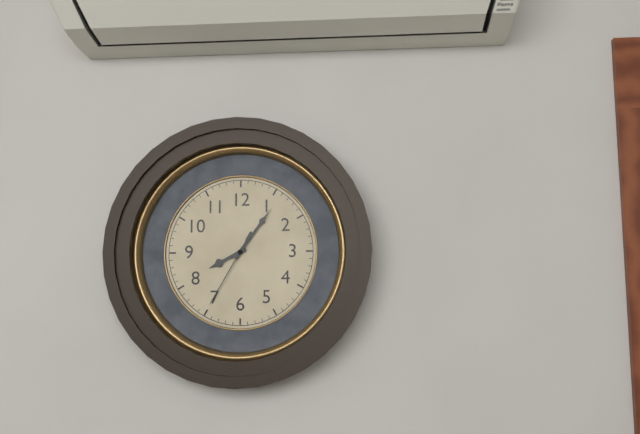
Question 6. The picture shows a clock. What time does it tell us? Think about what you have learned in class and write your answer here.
8:06:35
